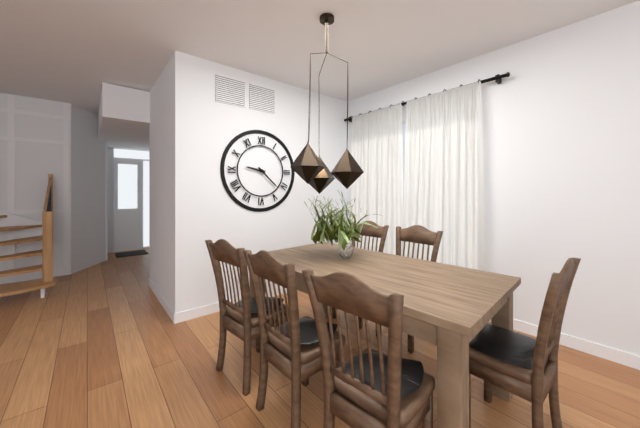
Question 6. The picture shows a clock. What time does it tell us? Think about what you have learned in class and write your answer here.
9:22
